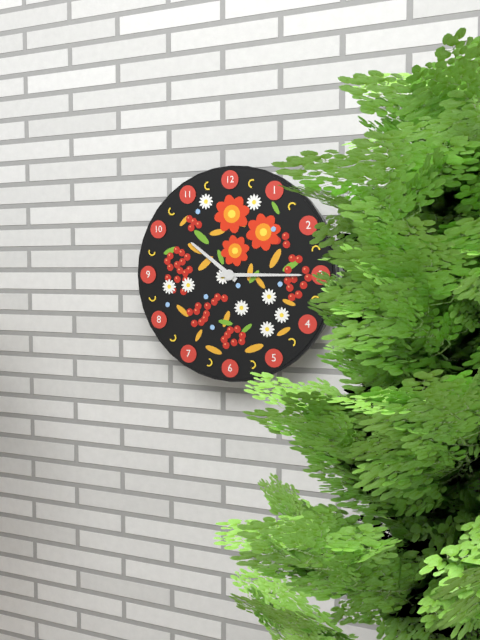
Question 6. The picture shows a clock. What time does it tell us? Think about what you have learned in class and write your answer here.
10:15
